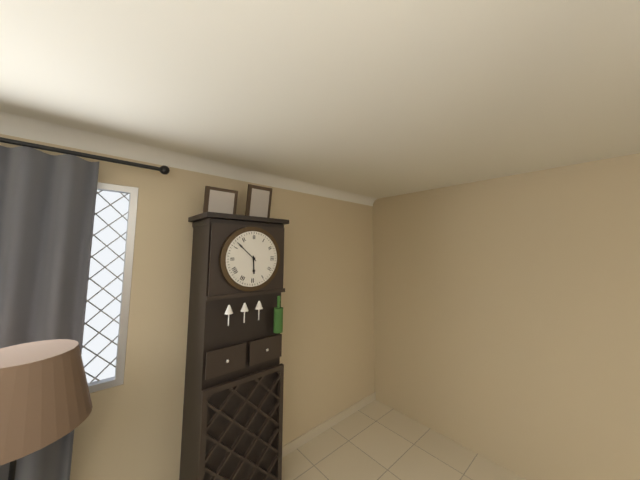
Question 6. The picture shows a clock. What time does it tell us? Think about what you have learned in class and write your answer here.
5:52
